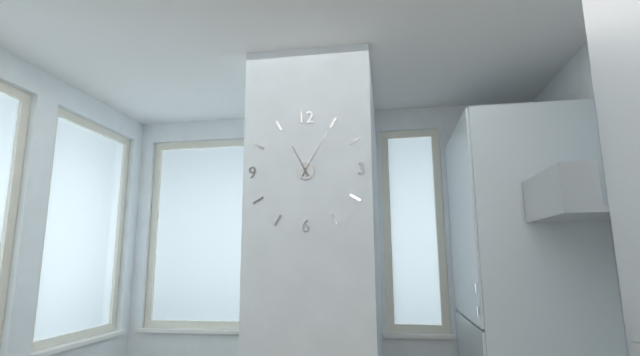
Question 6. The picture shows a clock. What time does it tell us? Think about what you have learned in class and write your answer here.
11:05
